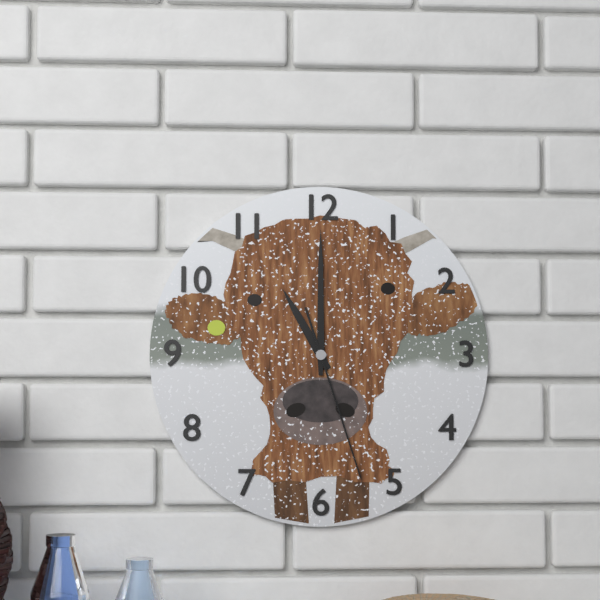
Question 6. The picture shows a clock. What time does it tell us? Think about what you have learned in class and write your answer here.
11:00:27
